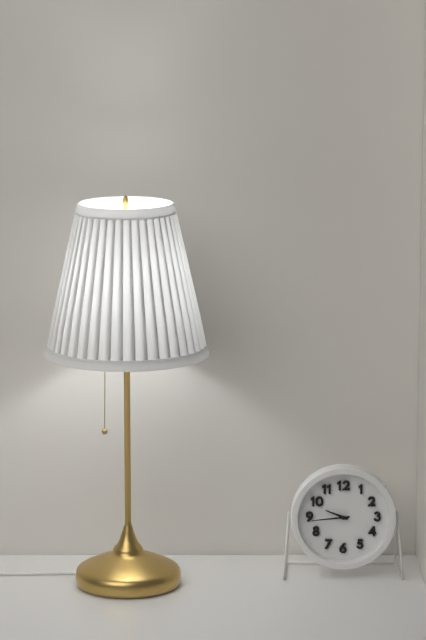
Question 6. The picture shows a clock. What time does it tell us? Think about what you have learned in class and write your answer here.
9:44
